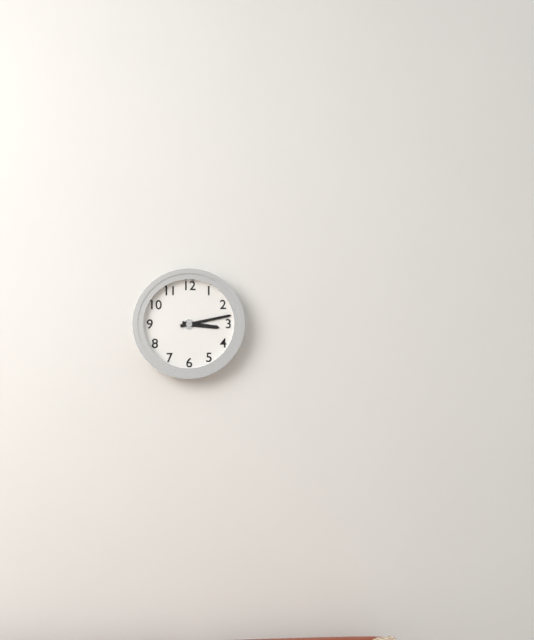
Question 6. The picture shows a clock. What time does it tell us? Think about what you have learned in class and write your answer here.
3:13
